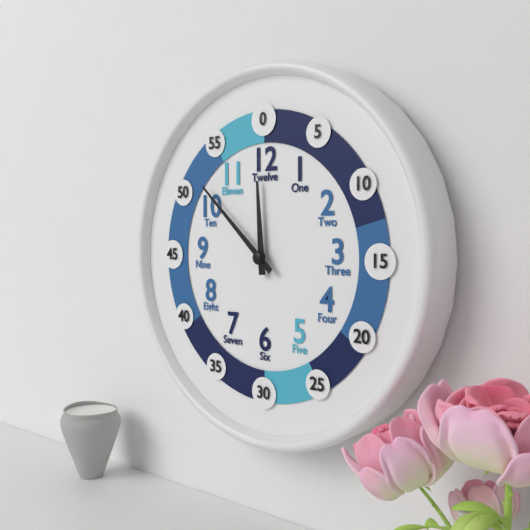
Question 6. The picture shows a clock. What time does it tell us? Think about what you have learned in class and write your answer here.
11:52
